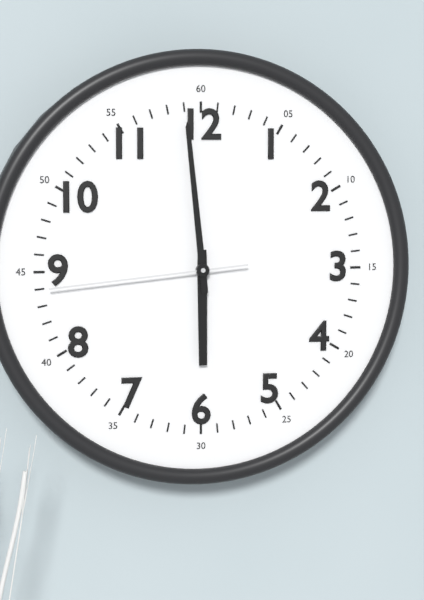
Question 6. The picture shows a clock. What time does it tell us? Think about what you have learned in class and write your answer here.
5:59:44
